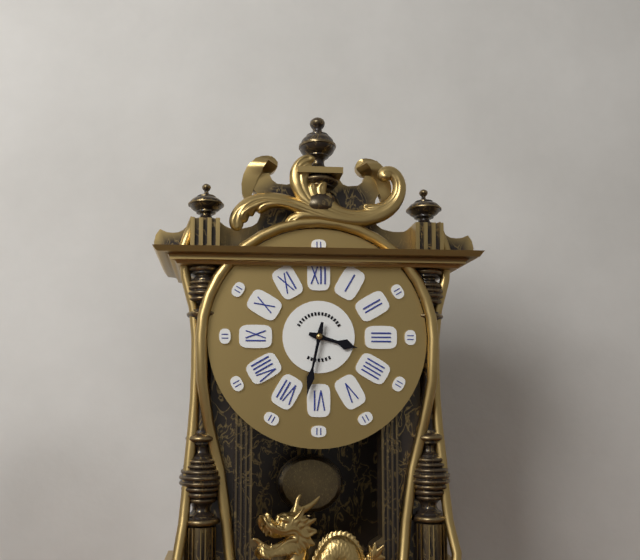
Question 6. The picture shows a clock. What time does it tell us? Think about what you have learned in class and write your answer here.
3:32
